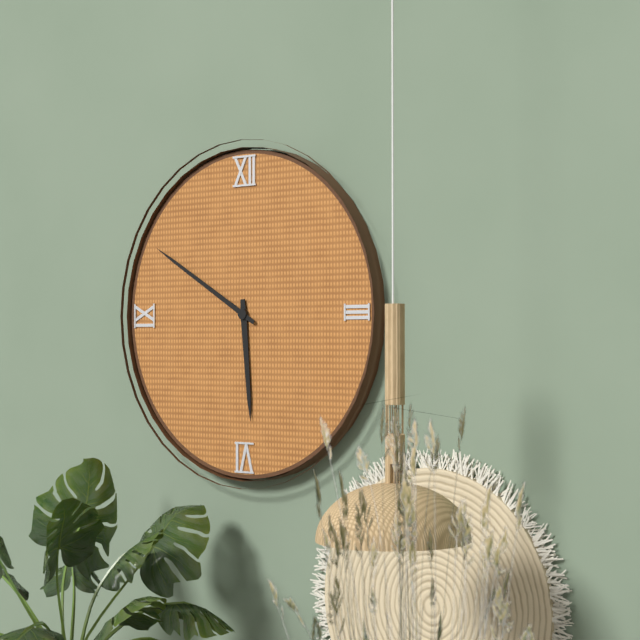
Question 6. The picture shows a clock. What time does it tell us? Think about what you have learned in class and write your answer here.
5:50
